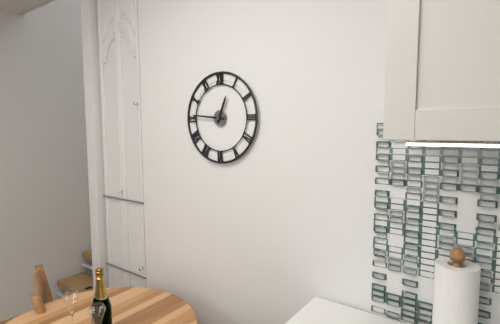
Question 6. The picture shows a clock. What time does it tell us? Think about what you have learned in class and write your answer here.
12:46
